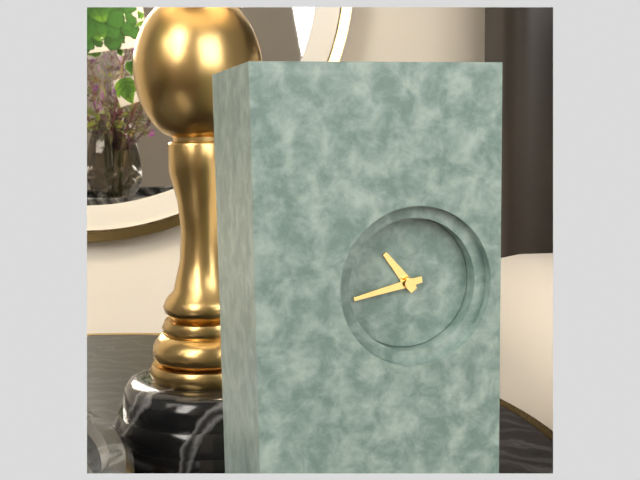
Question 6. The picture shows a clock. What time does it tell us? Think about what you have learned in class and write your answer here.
10:43
